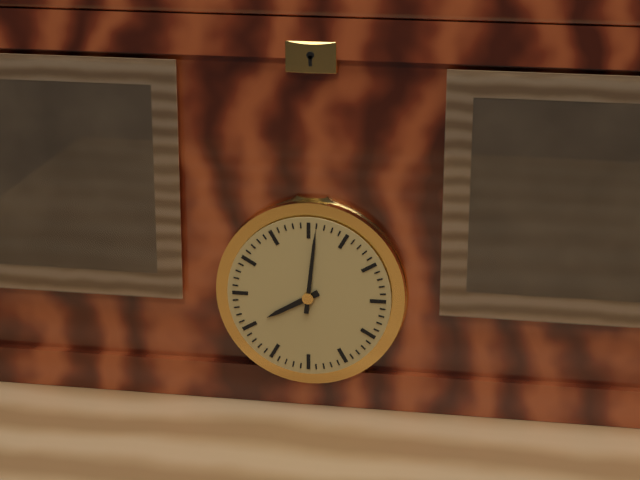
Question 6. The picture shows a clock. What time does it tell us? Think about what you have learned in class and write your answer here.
8:01
